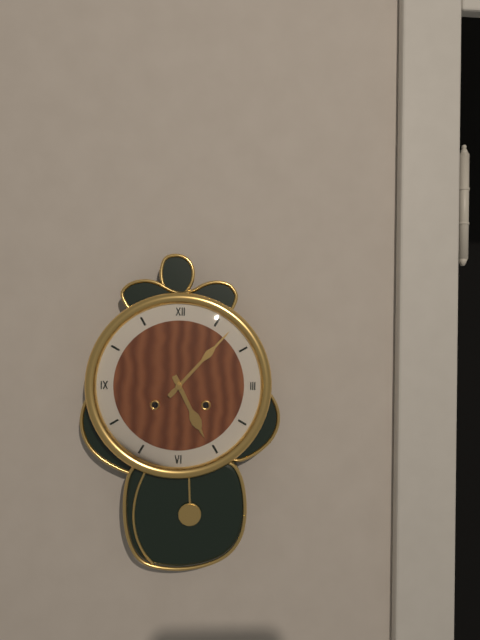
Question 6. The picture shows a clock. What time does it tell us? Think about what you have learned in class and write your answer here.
5:07
